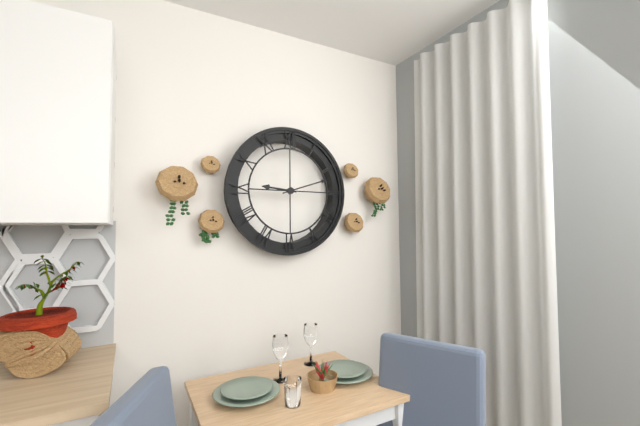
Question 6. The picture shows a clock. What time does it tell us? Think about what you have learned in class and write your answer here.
9:12
